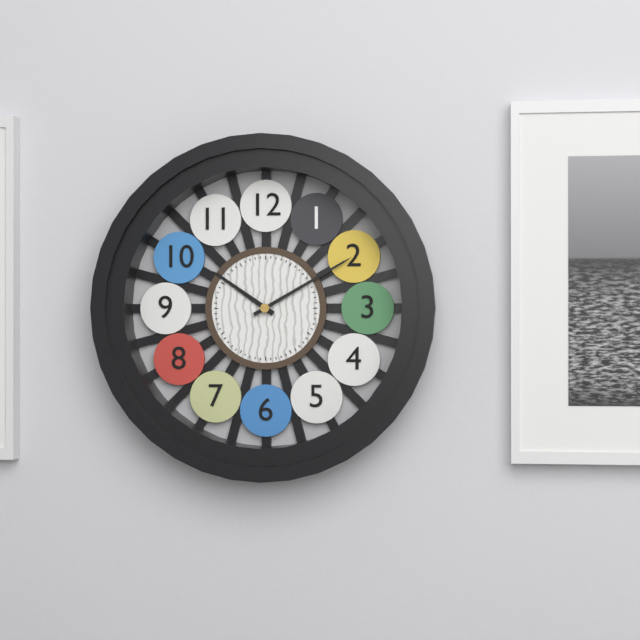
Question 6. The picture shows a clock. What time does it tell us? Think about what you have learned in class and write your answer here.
10:10
